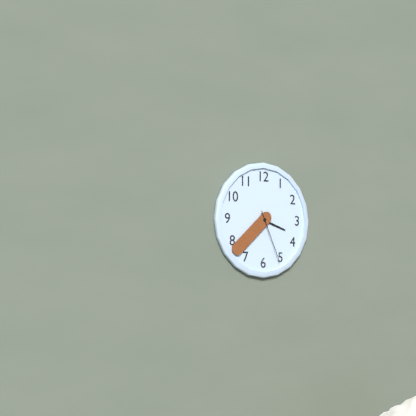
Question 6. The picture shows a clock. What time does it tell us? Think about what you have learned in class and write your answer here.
3:38:26
